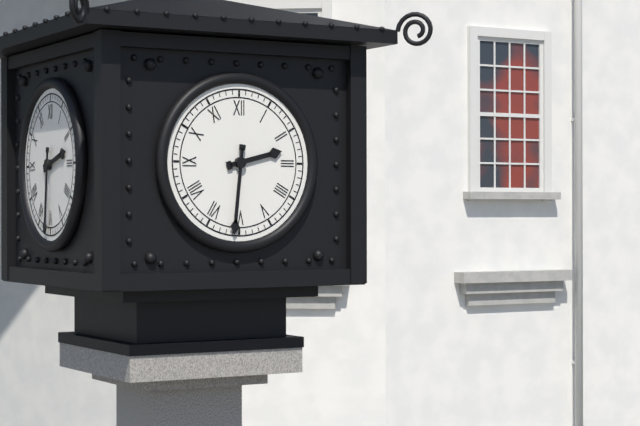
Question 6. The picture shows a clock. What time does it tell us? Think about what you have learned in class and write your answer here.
2:31
